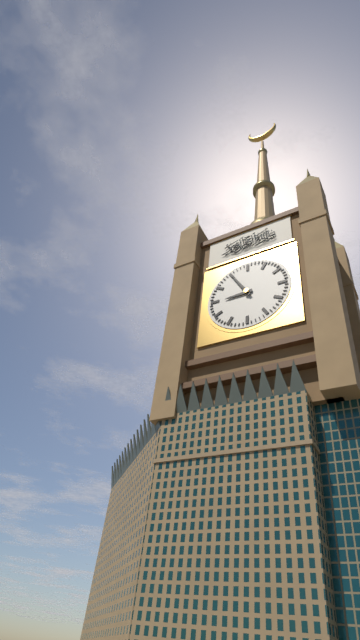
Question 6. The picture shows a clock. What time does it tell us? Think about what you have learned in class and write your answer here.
8:55
